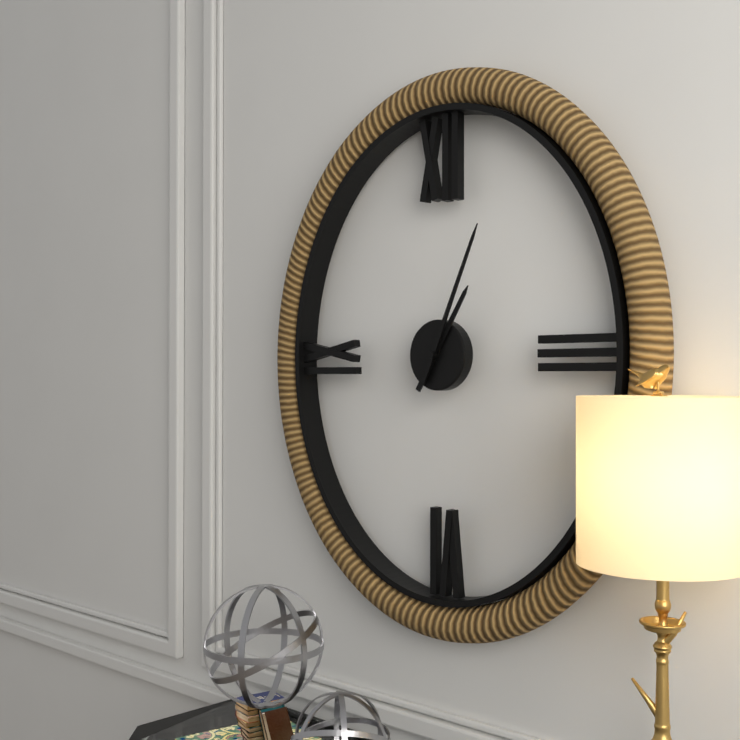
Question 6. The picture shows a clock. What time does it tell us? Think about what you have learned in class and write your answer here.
1:04
